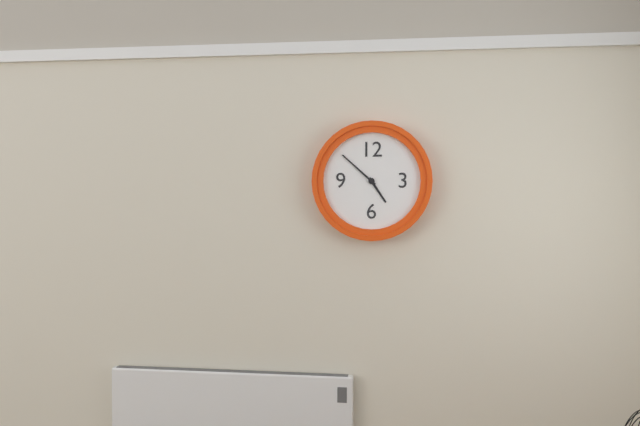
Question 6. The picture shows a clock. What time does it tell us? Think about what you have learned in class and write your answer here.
4:52
